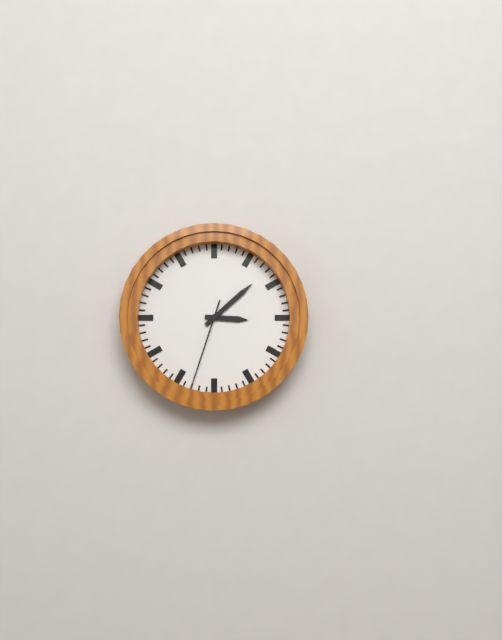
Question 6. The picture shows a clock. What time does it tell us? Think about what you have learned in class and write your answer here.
3:08:33
